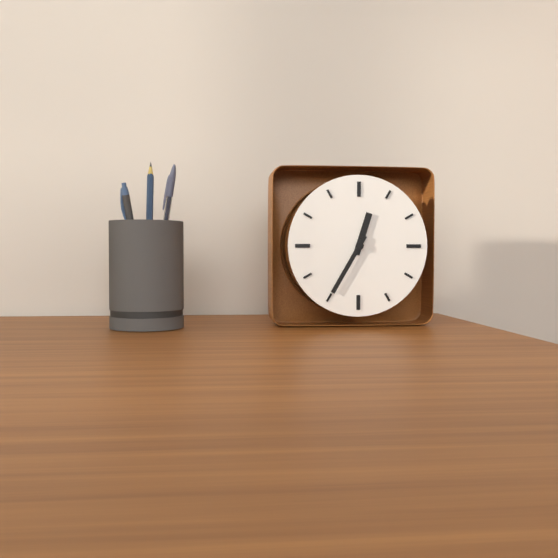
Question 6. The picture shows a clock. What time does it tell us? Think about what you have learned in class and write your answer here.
12:35
